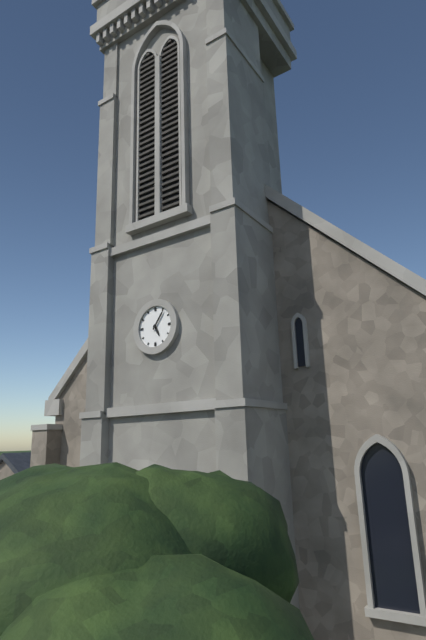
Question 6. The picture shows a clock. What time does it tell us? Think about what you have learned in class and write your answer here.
5:06
